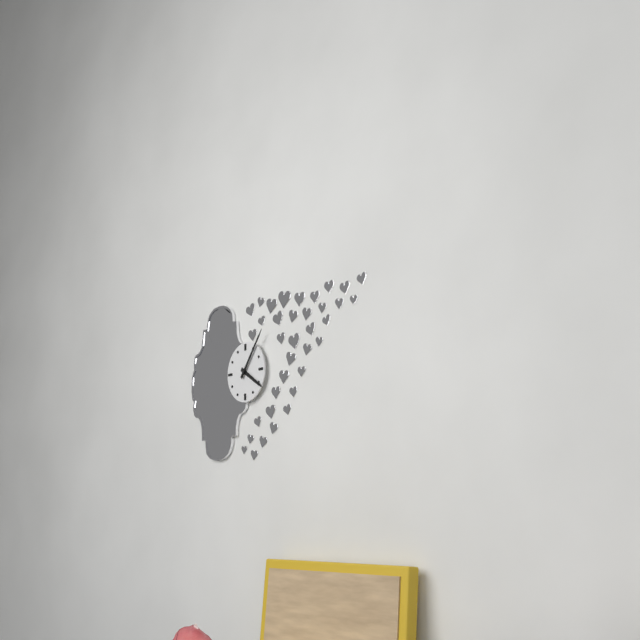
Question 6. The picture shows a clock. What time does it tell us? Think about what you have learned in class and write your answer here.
4:06
